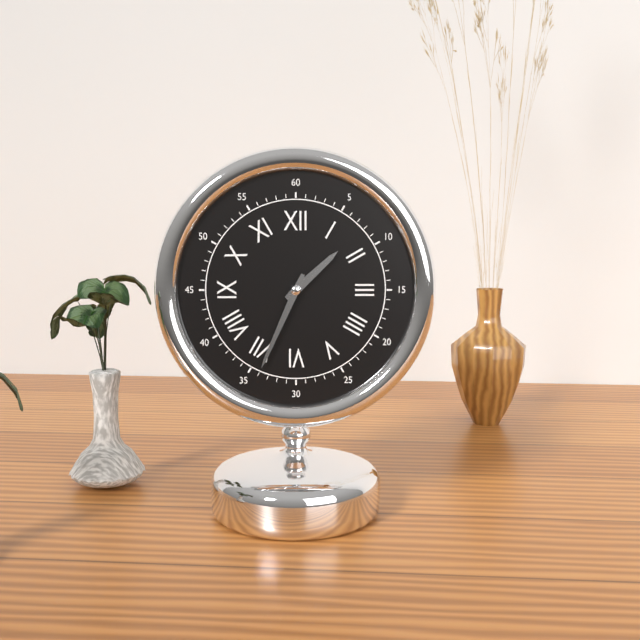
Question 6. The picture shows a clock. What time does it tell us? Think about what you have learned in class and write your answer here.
1:34
